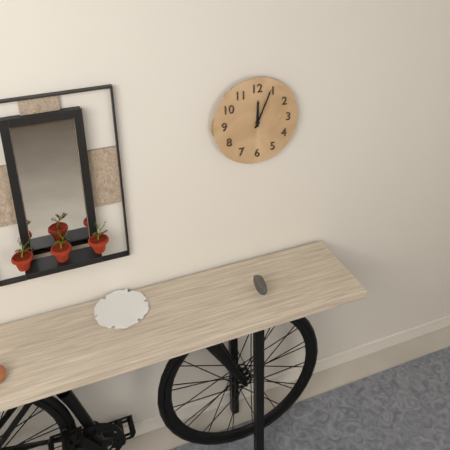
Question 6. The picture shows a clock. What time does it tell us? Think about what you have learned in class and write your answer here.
12:04
